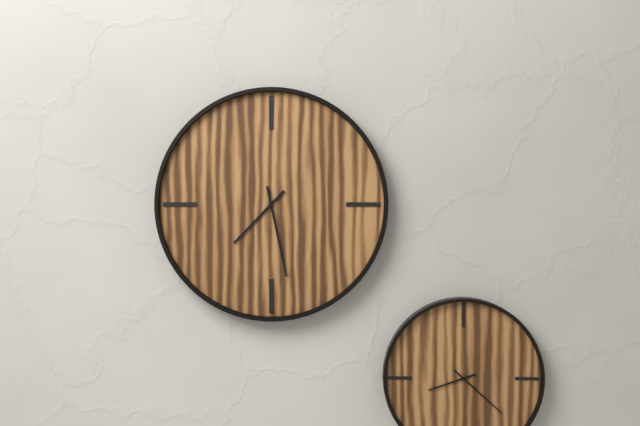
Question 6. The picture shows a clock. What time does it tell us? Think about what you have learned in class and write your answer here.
7:28
